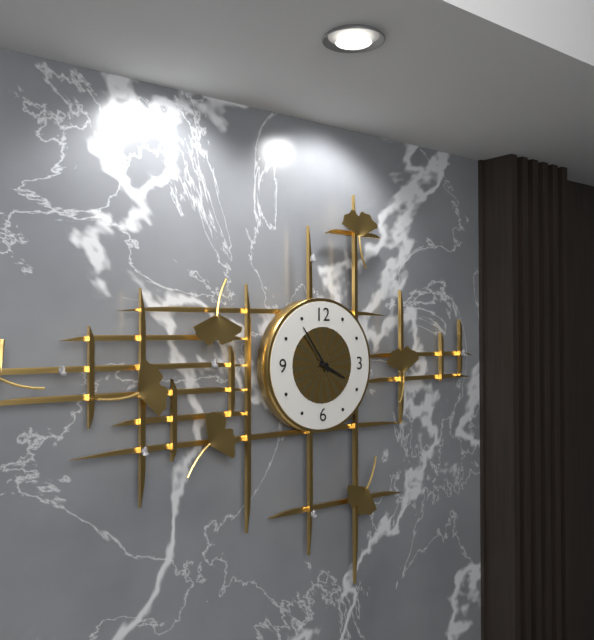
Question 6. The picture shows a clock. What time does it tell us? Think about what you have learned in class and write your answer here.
3:54
